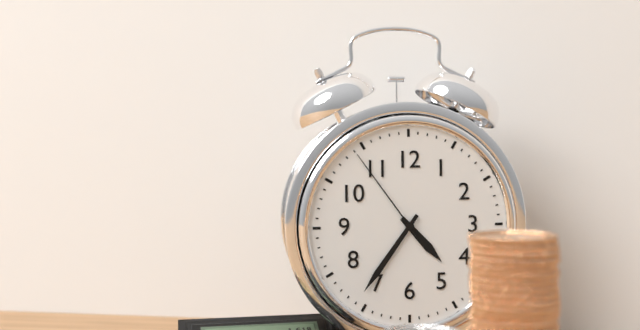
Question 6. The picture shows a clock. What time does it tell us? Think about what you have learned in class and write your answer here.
4:36:54
